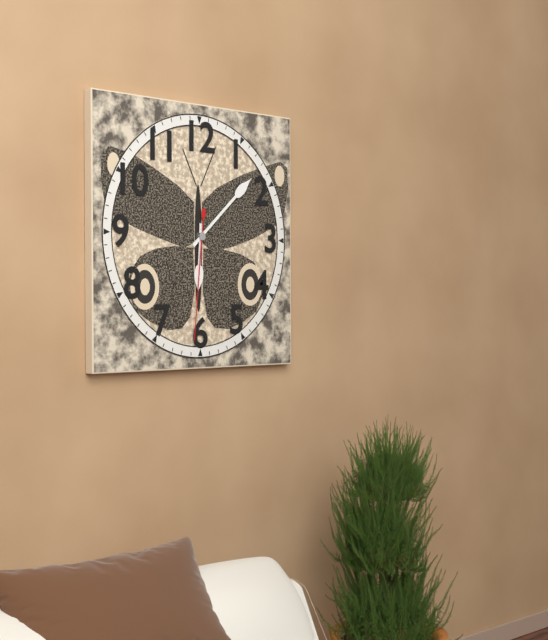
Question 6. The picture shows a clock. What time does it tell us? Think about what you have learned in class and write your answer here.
6:08:31
